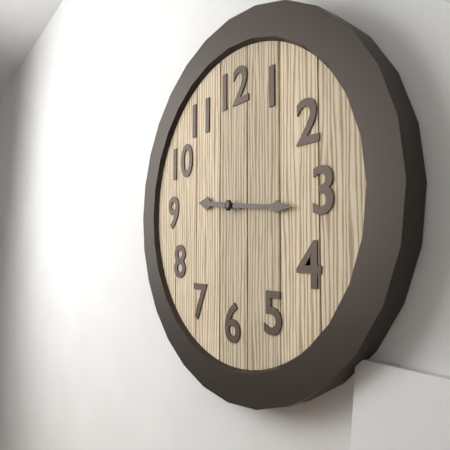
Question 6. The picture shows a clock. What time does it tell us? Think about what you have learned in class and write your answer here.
9:16
